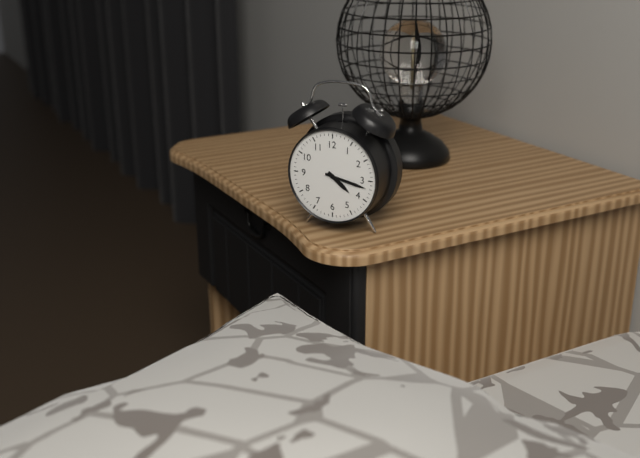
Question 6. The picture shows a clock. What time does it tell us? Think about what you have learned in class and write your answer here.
4:17
